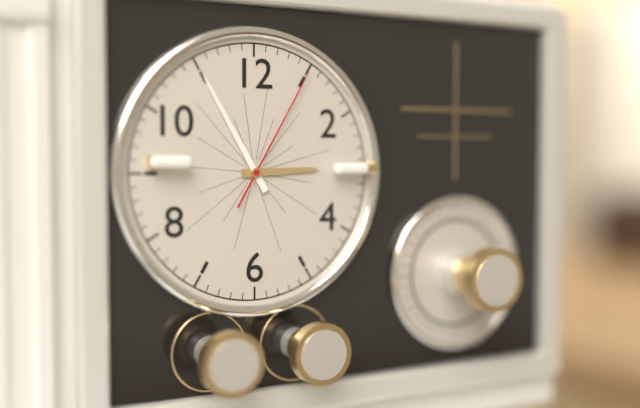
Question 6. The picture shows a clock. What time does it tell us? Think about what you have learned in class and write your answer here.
2:55:05
